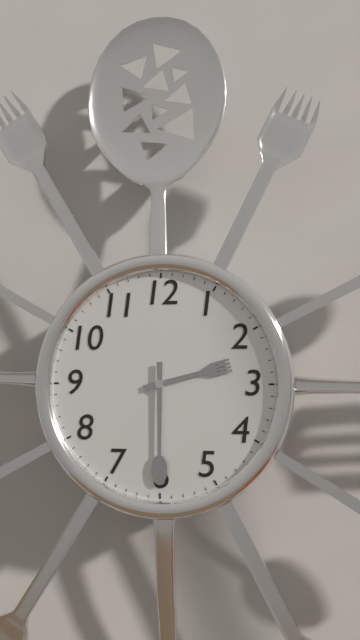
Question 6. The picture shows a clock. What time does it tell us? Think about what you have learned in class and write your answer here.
2:30
